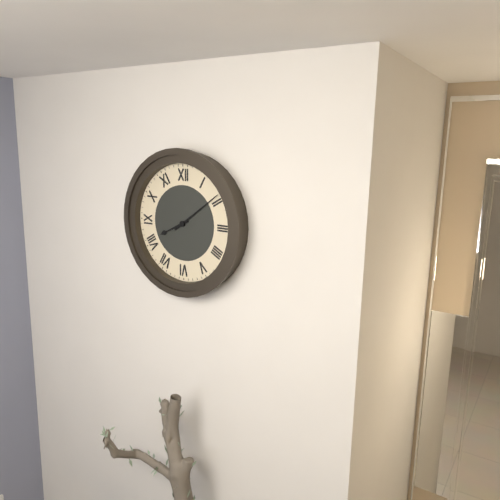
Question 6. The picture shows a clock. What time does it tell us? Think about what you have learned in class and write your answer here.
8:09
